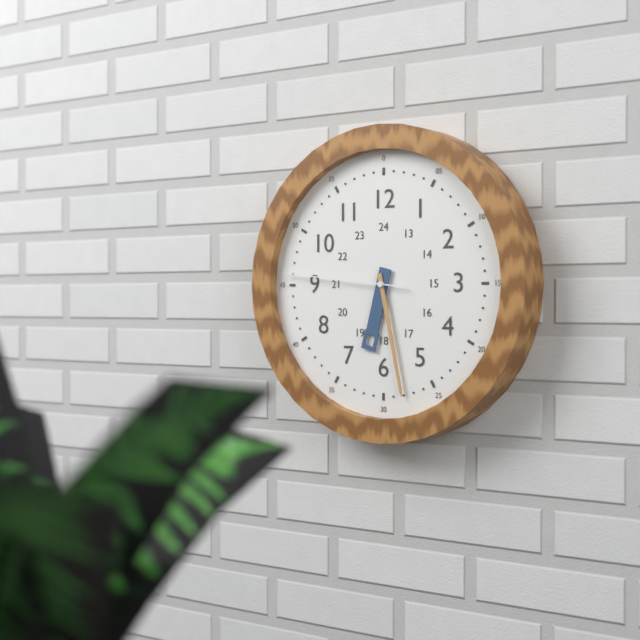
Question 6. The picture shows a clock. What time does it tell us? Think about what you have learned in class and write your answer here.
6:28:46
